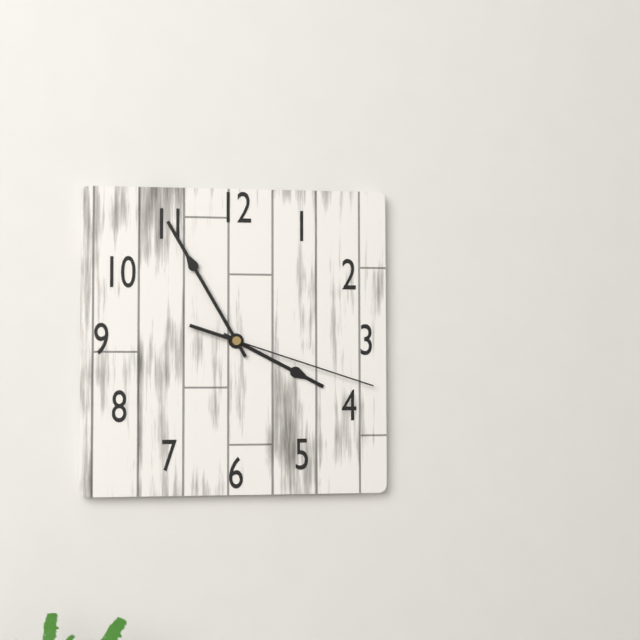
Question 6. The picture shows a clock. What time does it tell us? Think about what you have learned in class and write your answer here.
3:55:18
